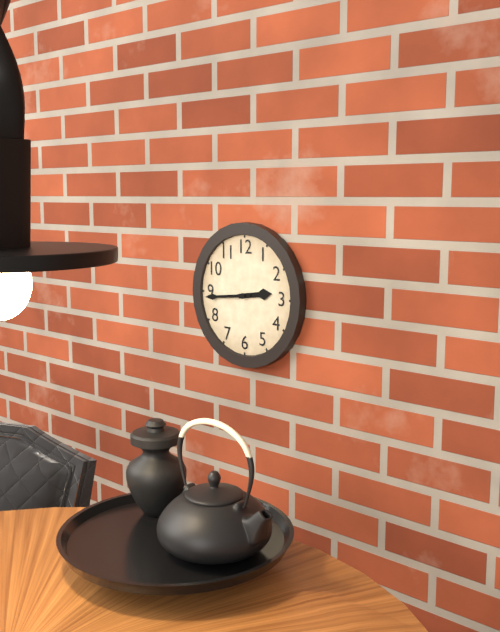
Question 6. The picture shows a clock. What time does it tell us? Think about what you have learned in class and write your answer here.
2:44
